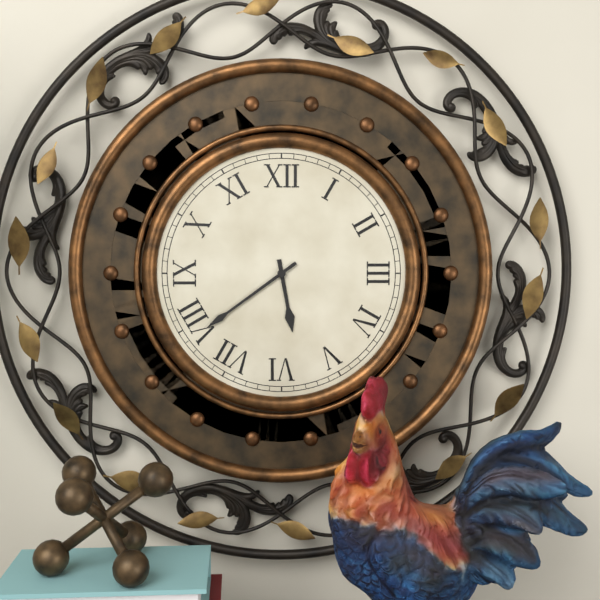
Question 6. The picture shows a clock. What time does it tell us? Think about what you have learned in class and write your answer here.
5:39
